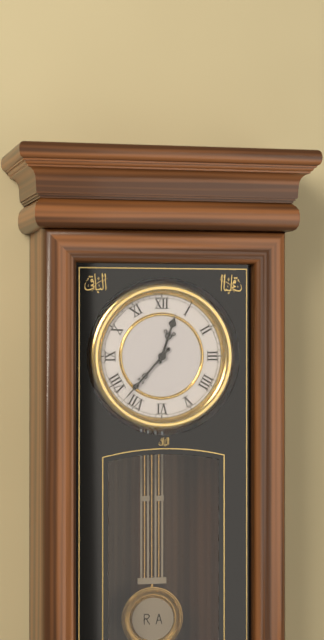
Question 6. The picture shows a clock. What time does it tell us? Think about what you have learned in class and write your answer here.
12:37
